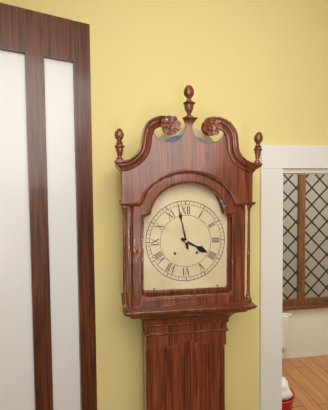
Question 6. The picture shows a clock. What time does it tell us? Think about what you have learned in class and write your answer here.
3:58
